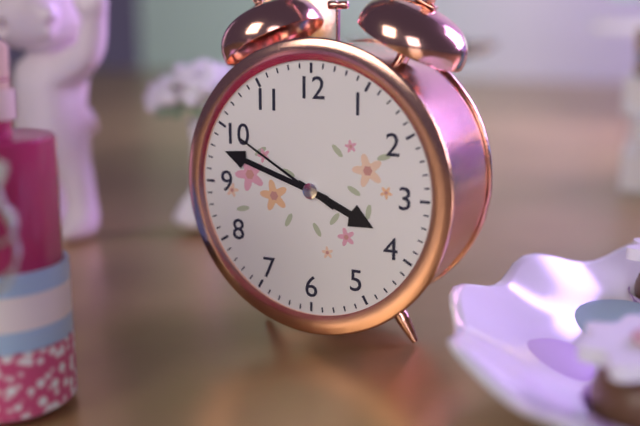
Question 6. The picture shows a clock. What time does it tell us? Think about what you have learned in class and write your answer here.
3:48:50
